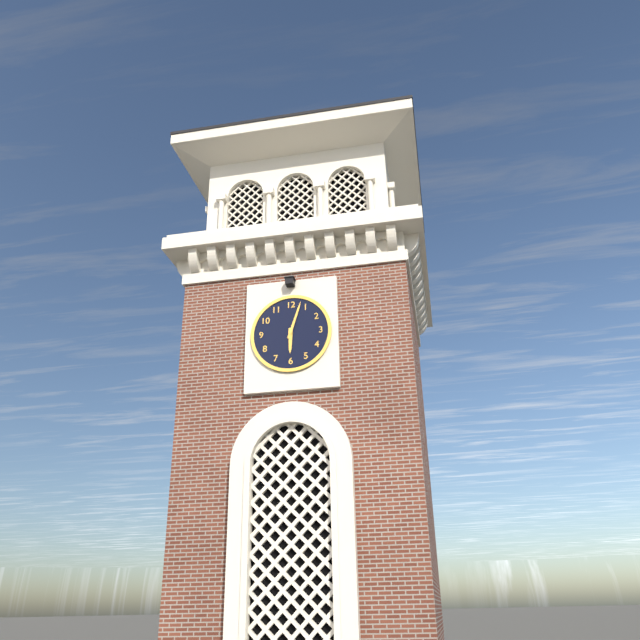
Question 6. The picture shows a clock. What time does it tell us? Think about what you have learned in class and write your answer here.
6:03
